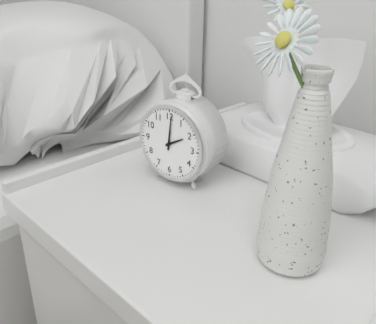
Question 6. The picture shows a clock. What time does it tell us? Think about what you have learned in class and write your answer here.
2:01
